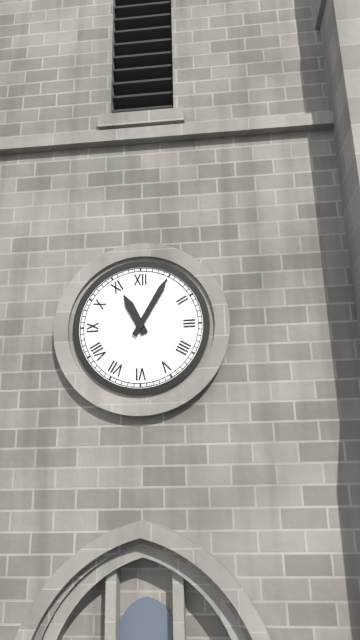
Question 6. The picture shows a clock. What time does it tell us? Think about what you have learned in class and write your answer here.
11:05
